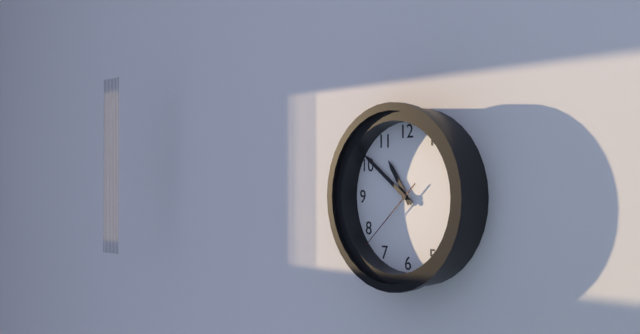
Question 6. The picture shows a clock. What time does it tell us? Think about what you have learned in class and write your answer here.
10:51:38
